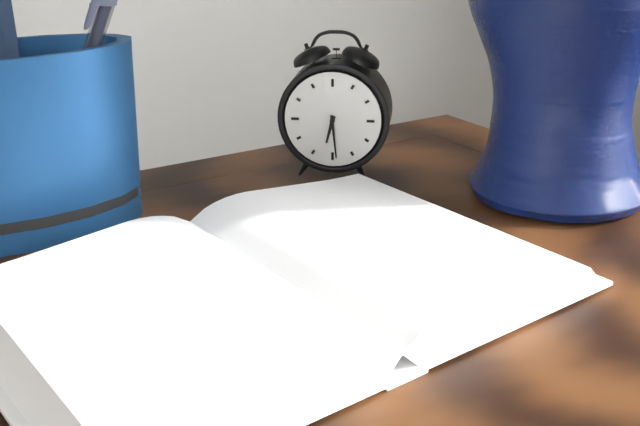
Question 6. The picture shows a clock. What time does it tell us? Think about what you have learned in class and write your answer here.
6:29
